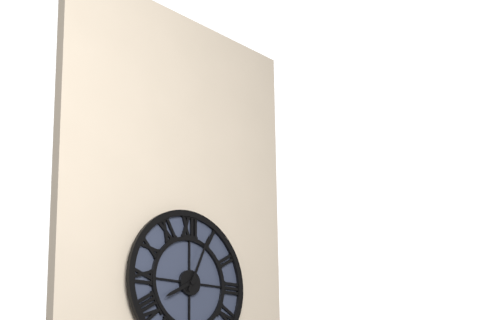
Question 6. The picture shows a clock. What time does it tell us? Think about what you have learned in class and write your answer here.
8:04
